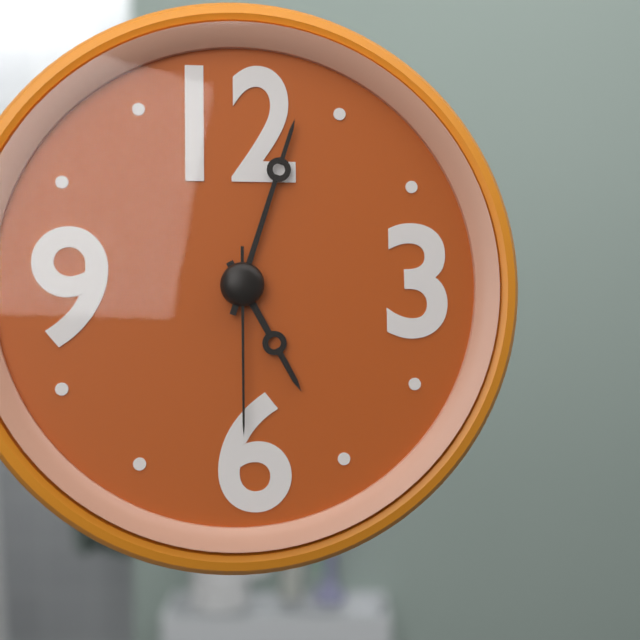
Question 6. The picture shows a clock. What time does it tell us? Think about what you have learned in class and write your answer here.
5:03:30
